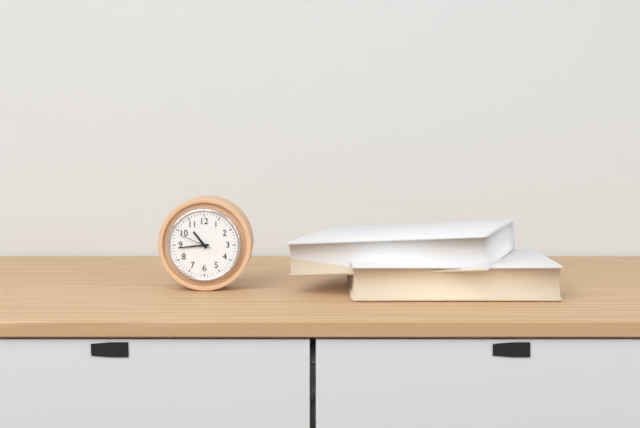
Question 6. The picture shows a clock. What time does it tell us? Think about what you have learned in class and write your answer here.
10:44
